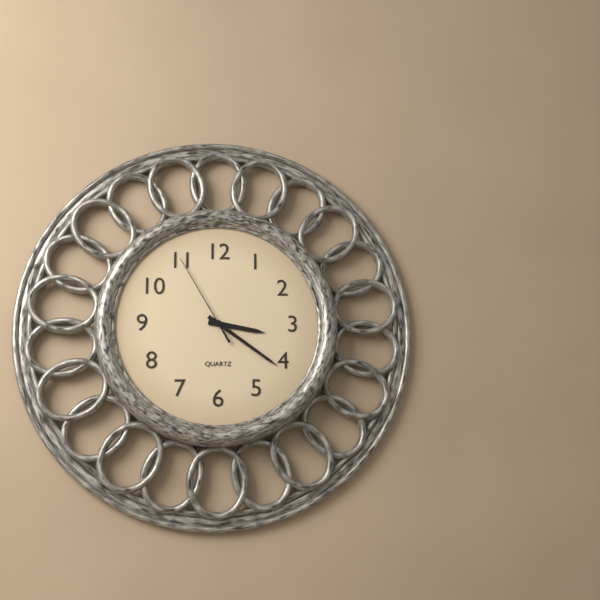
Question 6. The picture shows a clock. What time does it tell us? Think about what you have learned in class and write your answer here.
3:21:55
